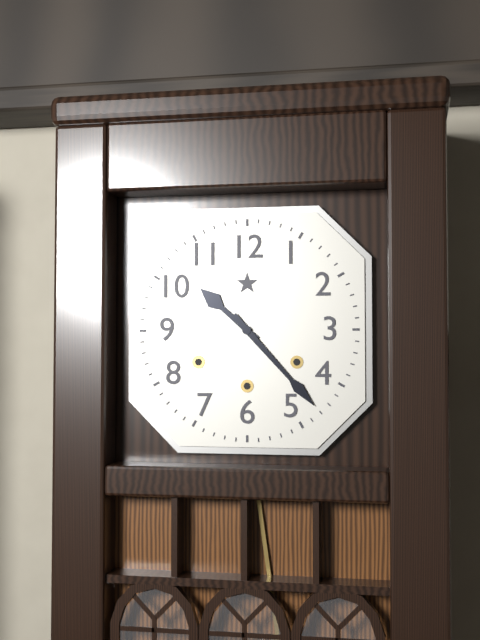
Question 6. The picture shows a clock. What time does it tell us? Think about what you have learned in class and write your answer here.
10:23
